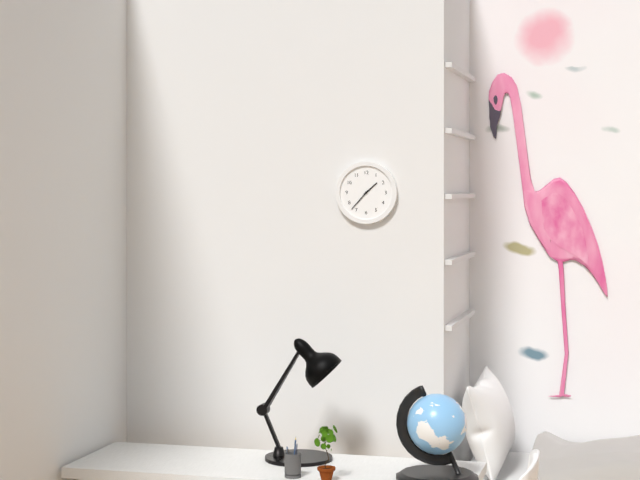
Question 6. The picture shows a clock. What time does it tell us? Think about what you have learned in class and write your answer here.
1:37
